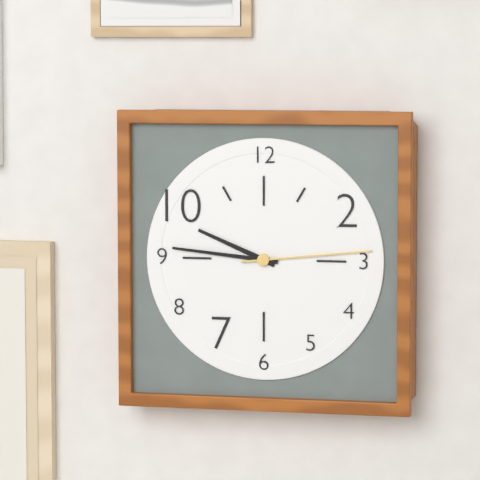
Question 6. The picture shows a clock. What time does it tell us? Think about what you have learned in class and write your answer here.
9:46:14
